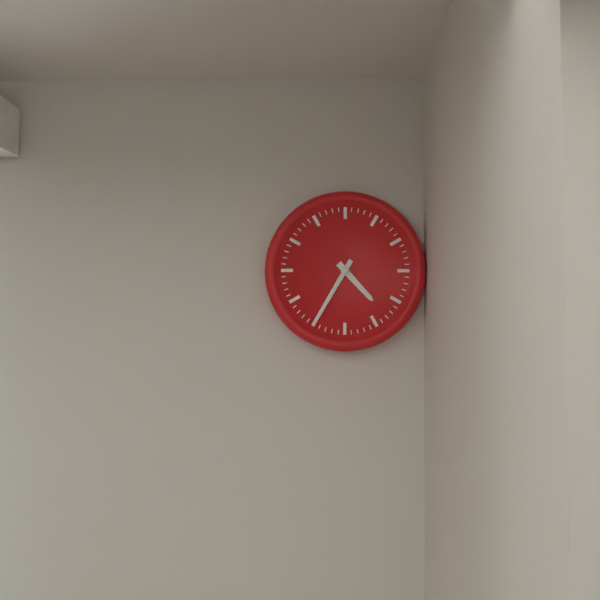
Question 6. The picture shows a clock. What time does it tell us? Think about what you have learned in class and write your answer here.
4:35
